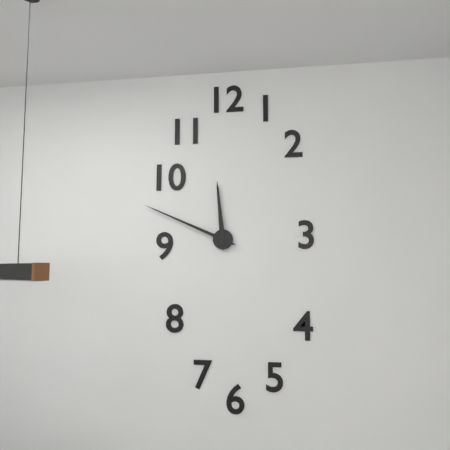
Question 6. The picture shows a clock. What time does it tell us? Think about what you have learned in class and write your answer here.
11:49
